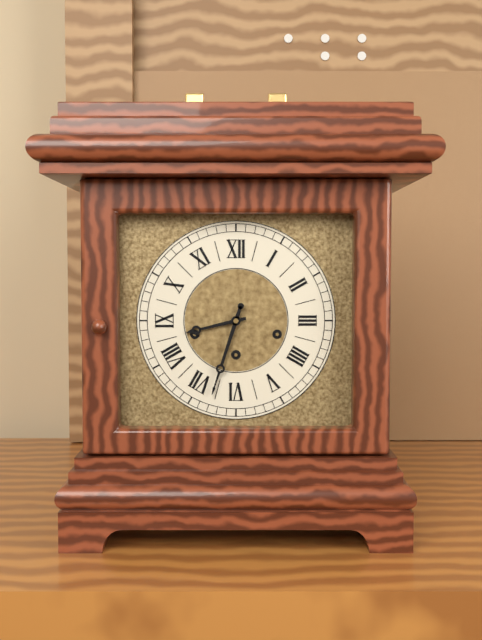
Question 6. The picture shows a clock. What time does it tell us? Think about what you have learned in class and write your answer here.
8:33
